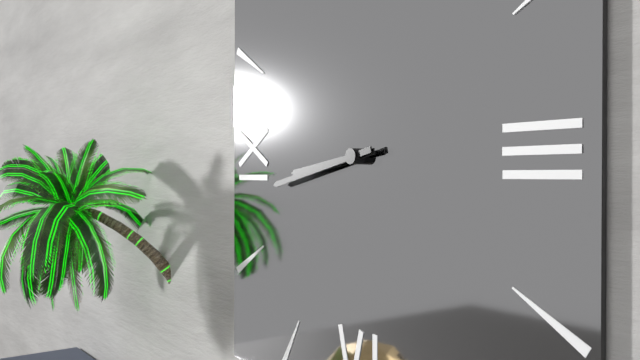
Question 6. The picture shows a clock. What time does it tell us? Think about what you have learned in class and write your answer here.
8:43
